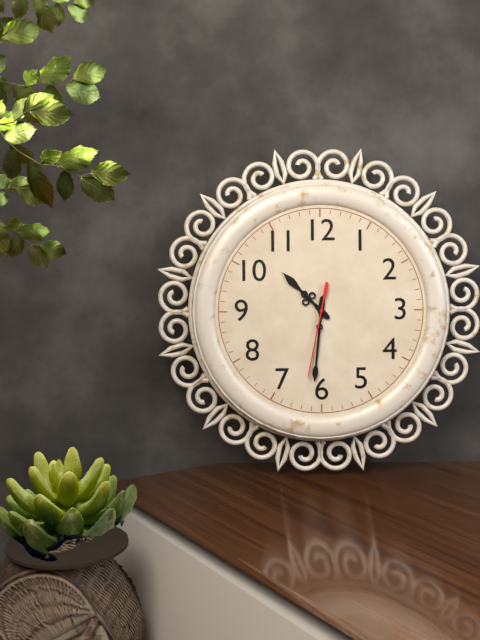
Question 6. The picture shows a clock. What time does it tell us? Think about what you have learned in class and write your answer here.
10:31:32
